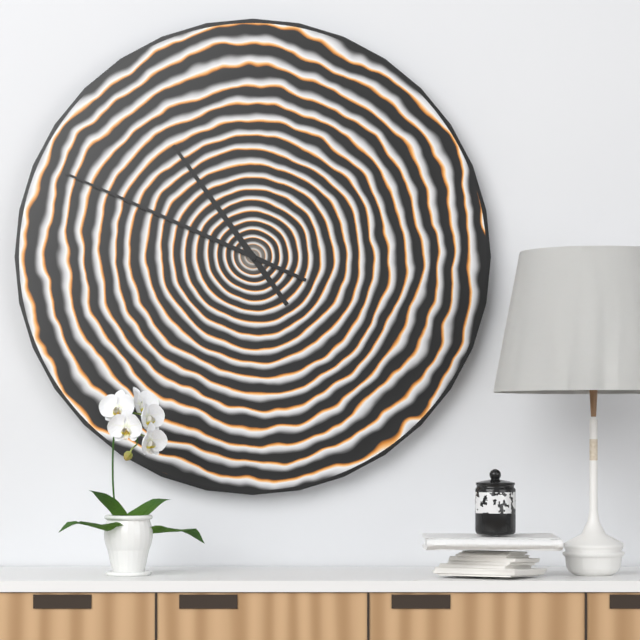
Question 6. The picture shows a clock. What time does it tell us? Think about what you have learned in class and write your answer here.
10:49
